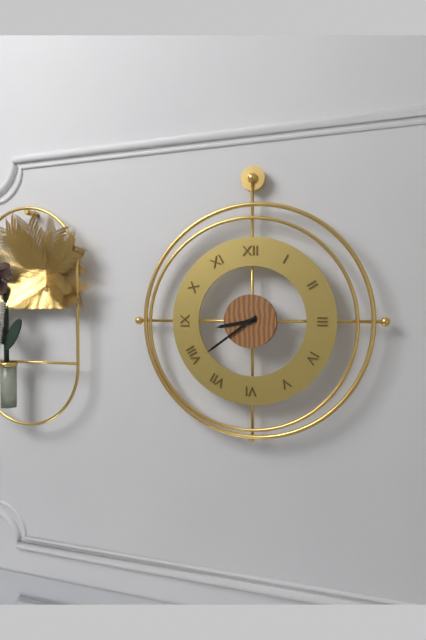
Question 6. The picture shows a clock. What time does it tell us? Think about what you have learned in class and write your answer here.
8:39
